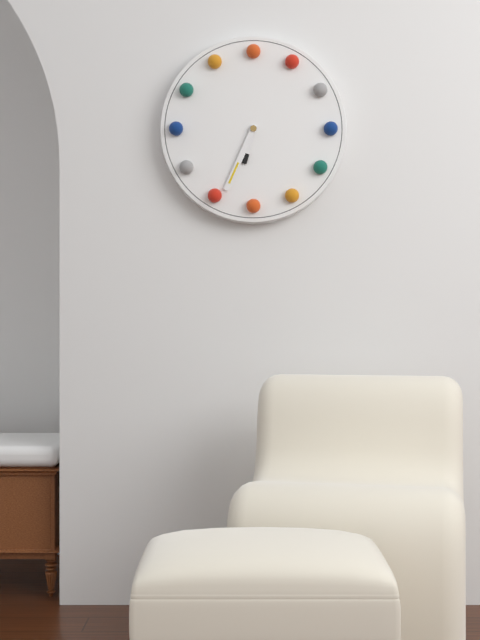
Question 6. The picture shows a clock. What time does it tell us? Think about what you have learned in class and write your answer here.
6:34
